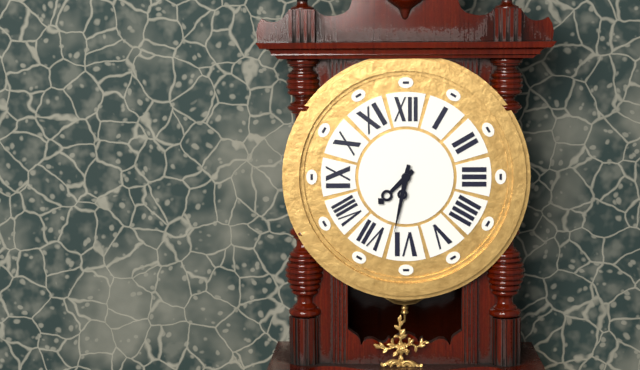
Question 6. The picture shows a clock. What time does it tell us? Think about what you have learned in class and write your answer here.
7:32
